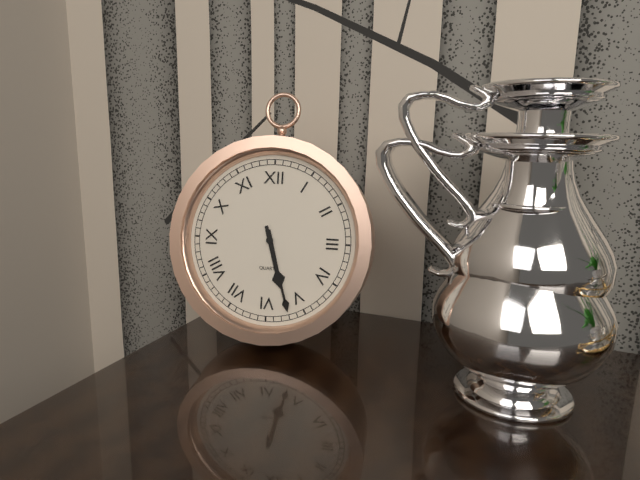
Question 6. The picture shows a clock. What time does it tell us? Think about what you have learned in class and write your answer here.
5:27
